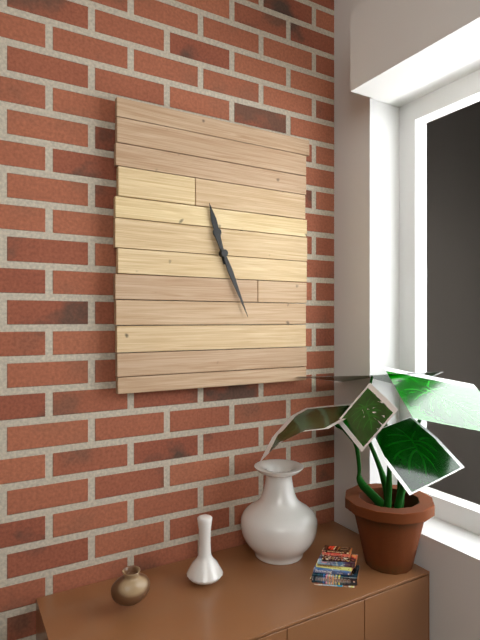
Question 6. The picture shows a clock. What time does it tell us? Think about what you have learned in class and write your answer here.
11:26
